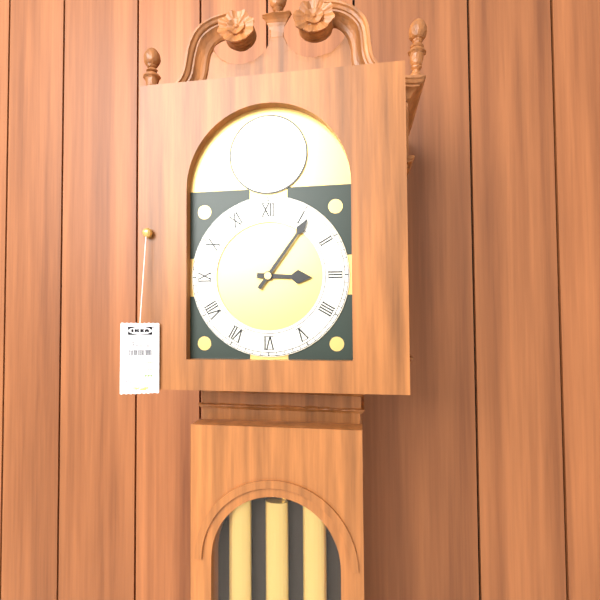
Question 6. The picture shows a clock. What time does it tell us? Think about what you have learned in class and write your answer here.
3:06
